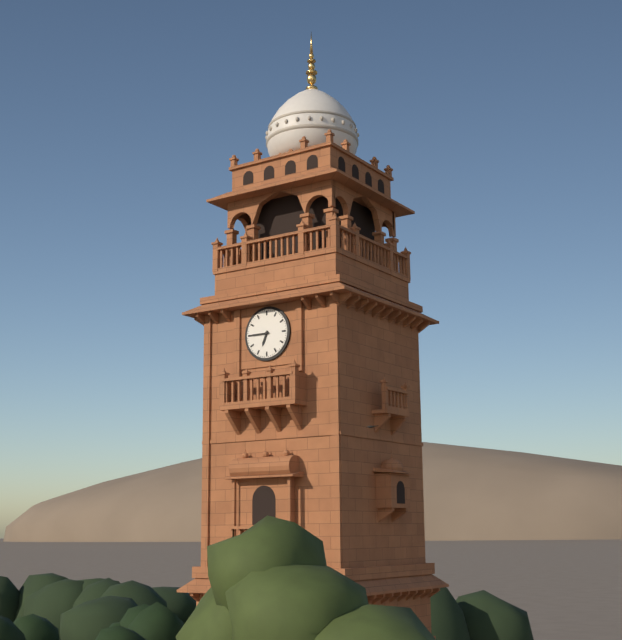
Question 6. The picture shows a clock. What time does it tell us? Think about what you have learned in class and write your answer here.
6:45
